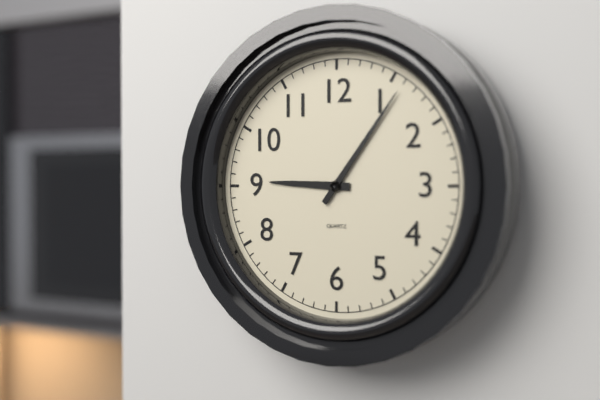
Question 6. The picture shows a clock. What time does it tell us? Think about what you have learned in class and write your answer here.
9:06
